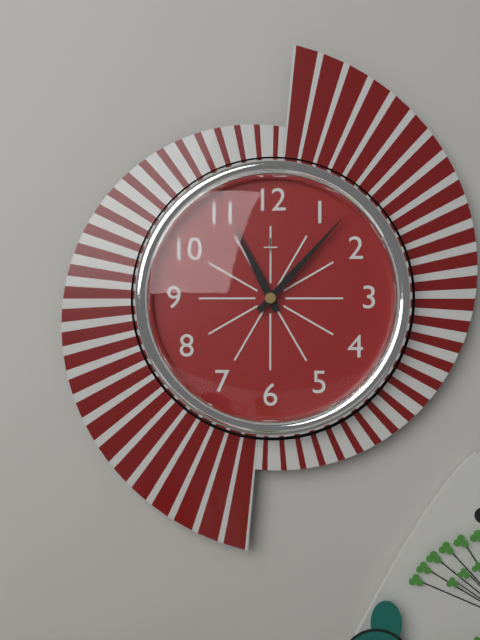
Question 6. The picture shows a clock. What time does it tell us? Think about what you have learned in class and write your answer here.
11:07
